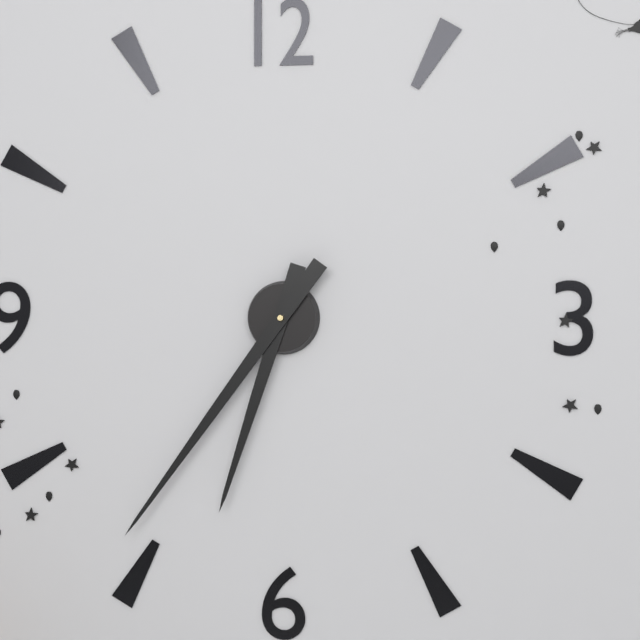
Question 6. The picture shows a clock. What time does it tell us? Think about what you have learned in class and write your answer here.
6:36
